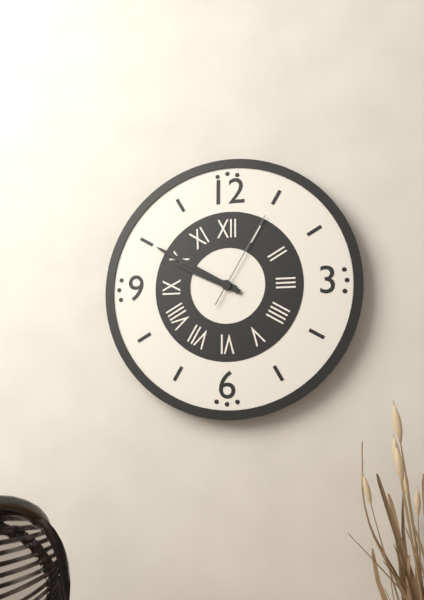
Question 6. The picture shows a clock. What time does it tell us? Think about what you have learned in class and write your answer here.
9:50:05
